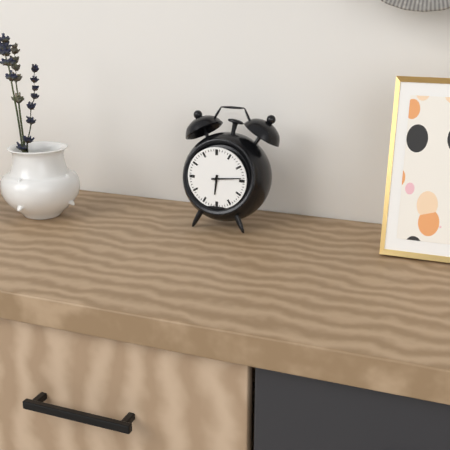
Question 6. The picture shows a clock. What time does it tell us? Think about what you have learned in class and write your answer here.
6:14
